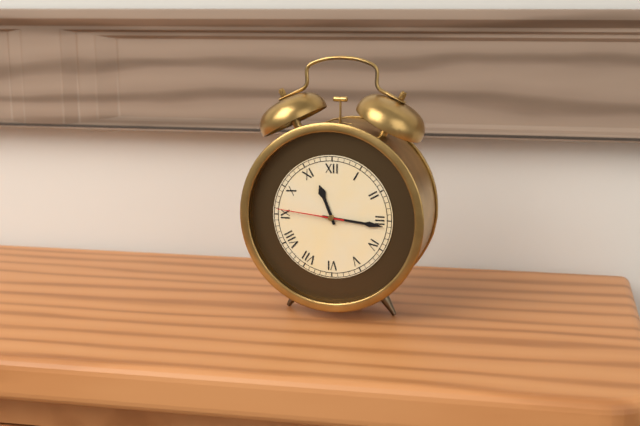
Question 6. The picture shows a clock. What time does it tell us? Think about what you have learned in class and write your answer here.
11:16:46
